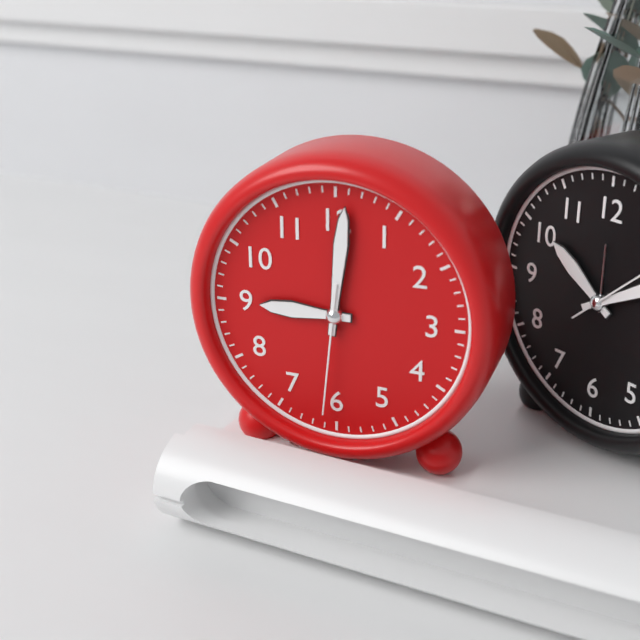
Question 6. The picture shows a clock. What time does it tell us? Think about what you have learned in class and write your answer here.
9:01:31
